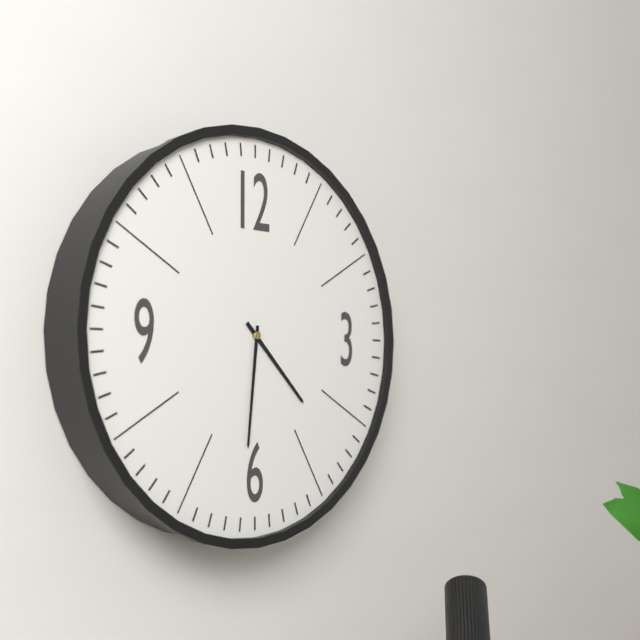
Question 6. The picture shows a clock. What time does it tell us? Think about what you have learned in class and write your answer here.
4:31
